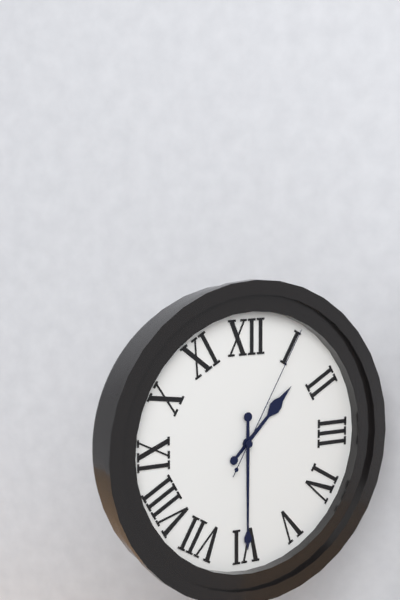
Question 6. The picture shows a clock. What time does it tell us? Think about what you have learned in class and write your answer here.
1:30:05
